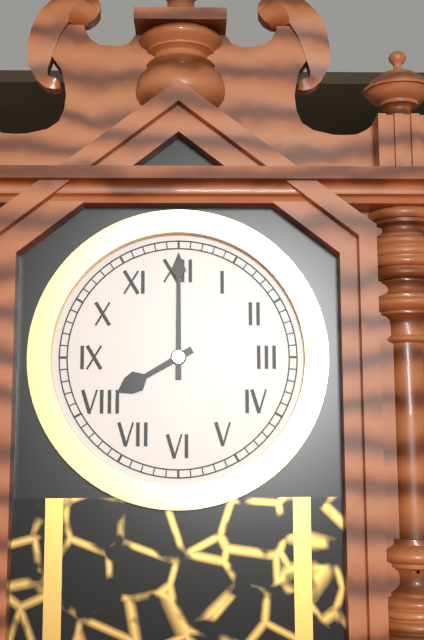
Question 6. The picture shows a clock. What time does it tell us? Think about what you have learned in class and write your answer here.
8:00
